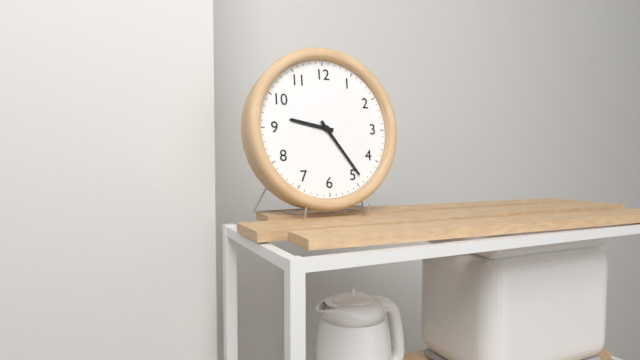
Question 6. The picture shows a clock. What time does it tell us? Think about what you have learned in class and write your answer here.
9:24
